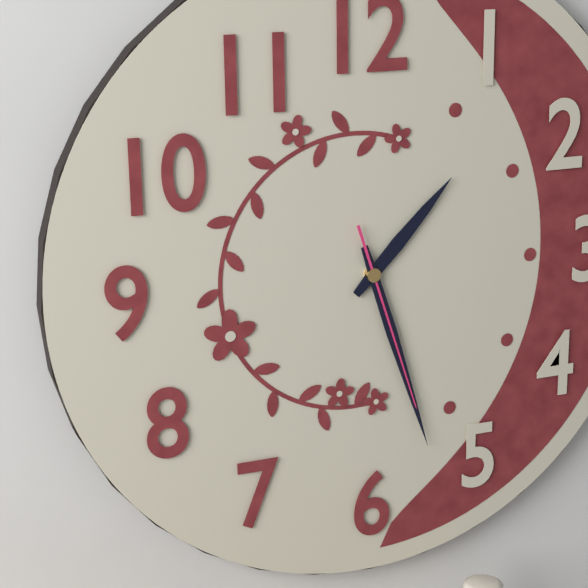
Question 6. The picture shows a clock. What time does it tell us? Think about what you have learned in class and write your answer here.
1:27:27
